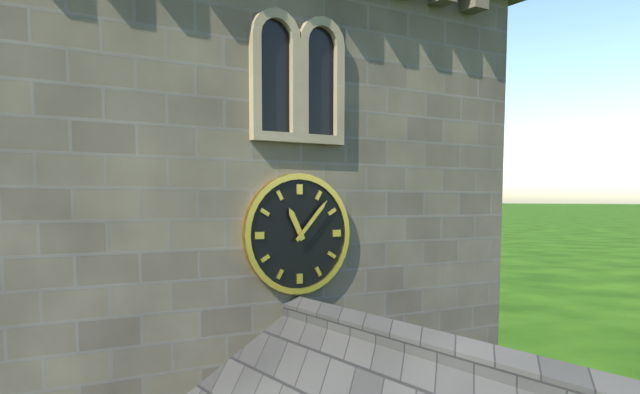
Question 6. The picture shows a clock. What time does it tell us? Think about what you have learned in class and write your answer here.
11:07
